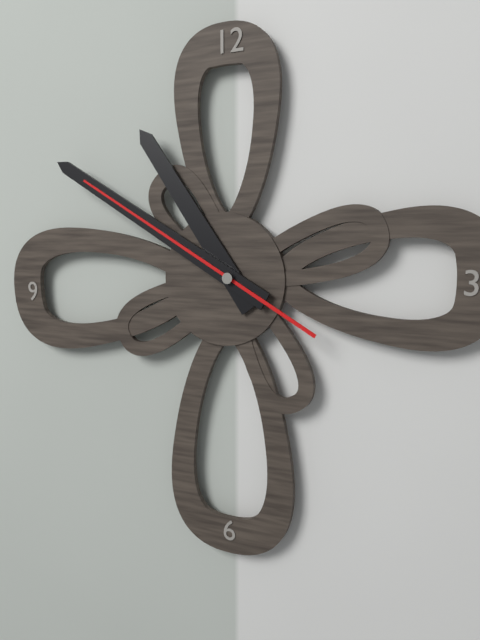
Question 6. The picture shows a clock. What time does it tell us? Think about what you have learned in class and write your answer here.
10:50:50
